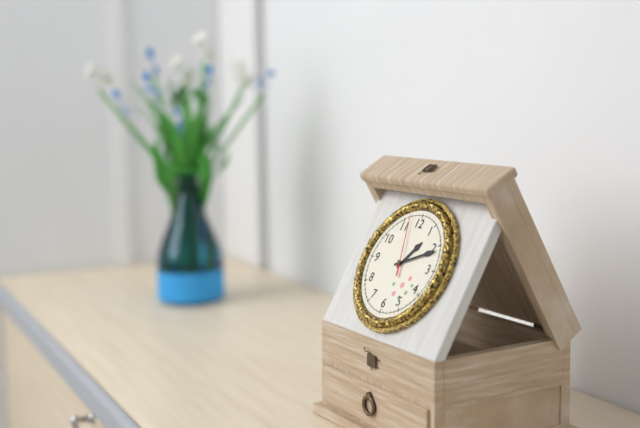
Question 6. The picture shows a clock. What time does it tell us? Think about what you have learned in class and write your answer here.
1:11:57
